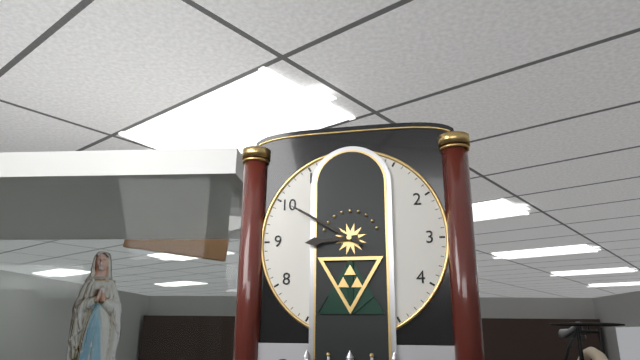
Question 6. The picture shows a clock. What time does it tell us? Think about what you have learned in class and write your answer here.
8:50
